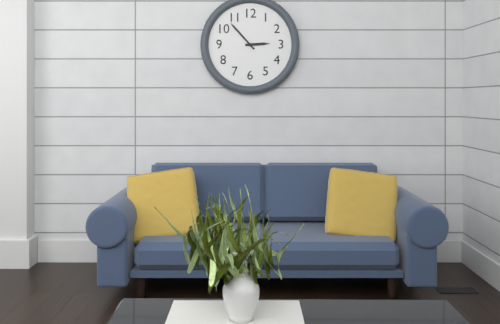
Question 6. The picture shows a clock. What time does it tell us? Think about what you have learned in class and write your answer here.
2:53
